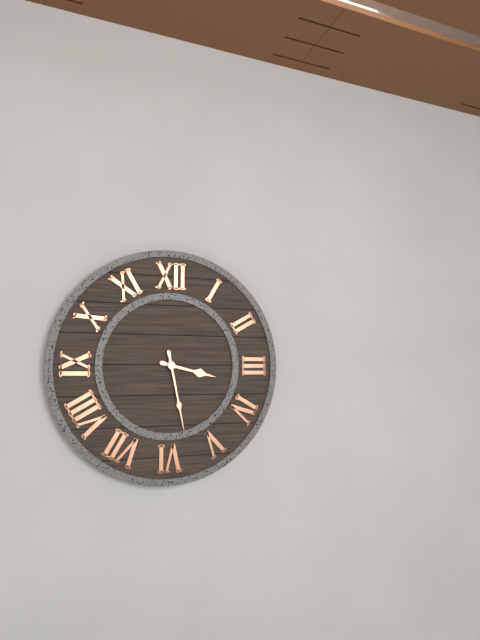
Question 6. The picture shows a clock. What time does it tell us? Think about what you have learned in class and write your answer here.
3:28
